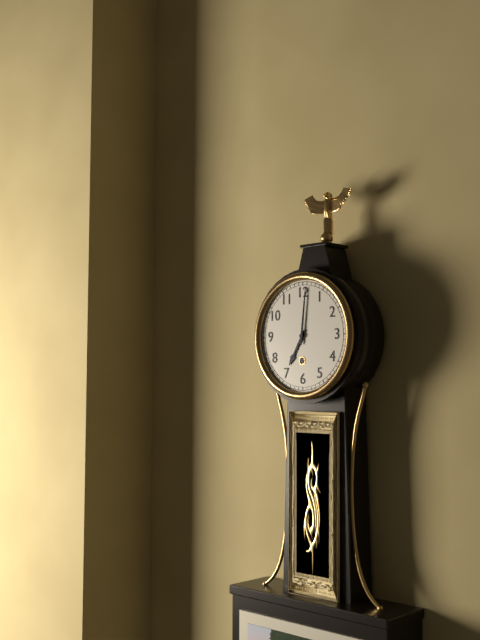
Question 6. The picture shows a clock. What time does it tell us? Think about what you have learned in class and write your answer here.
7:01
